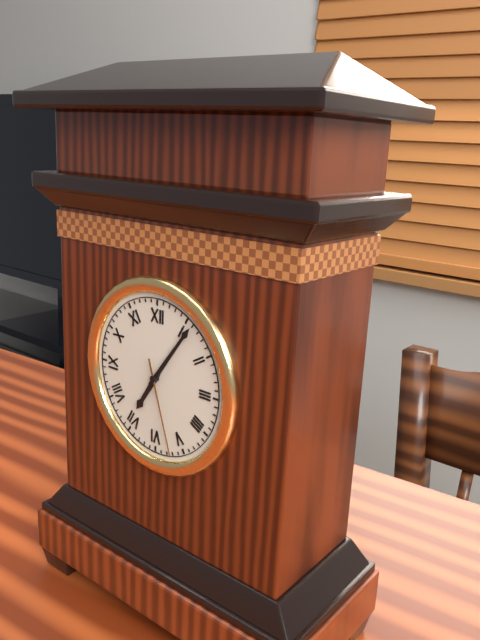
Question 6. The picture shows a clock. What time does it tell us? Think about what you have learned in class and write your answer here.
7:06:27
